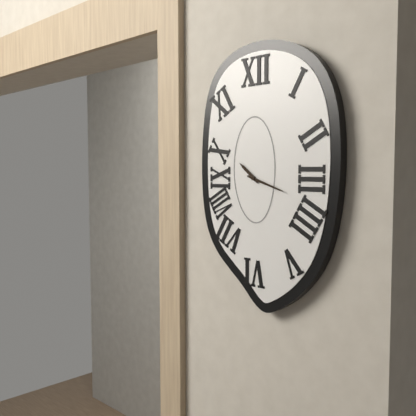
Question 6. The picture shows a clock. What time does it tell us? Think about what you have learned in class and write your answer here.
10:18
